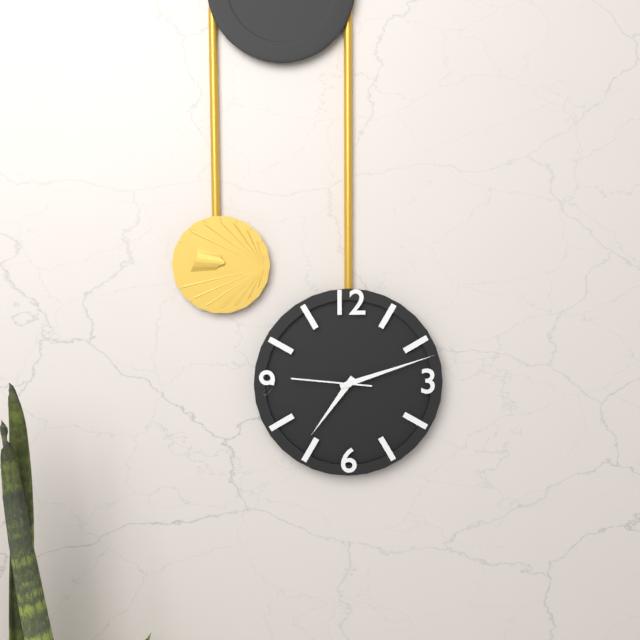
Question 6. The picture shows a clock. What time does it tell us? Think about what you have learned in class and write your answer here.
7:12:46
